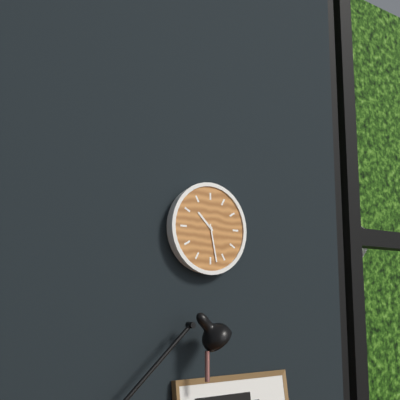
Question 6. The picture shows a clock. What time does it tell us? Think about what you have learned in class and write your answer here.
10:28
